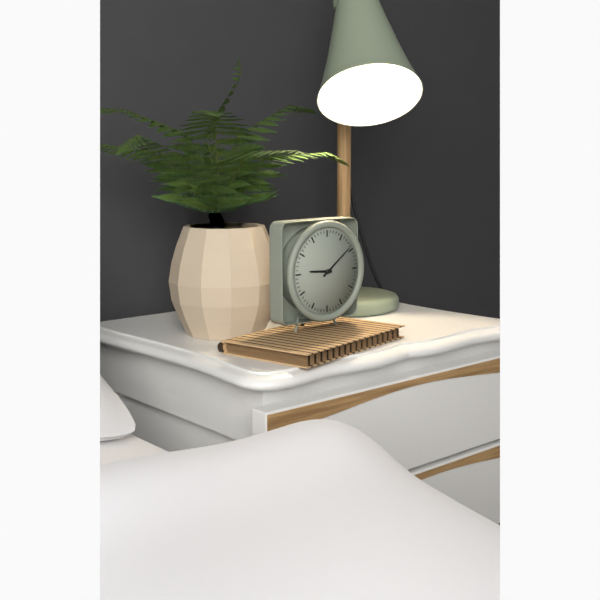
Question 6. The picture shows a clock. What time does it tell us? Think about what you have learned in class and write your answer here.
9:09
